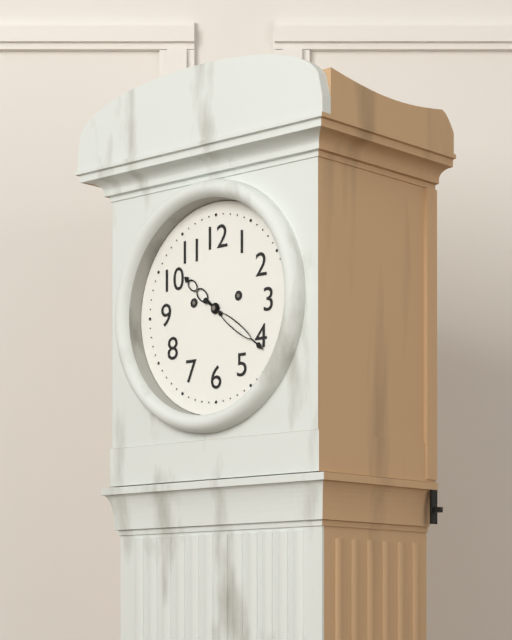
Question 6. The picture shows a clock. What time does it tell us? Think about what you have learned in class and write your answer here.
10:21
